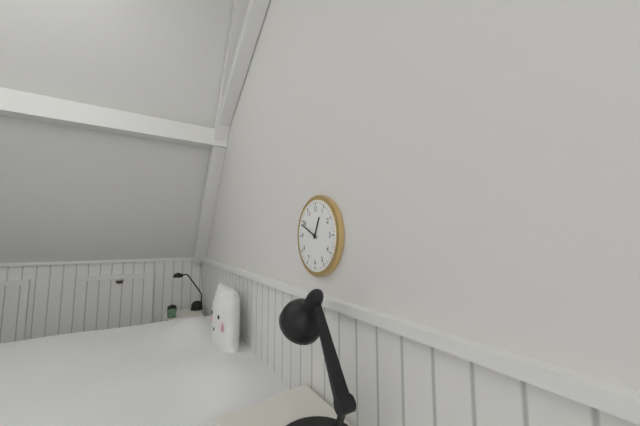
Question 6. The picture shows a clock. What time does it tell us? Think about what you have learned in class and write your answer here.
12:49
